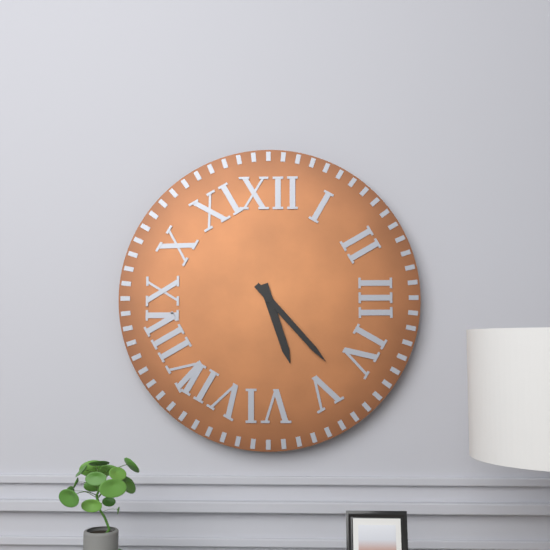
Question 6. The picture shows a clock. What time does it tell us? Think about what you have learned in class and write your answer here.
5:23
